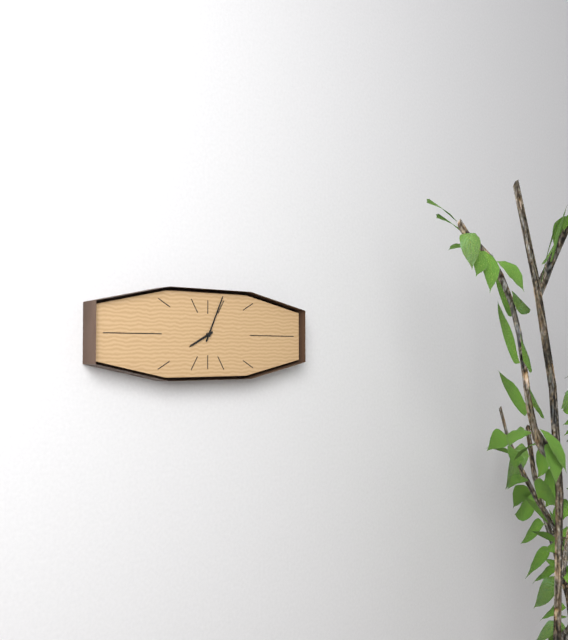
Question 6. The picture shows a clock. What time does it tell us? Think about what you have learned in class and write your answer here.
8:04
